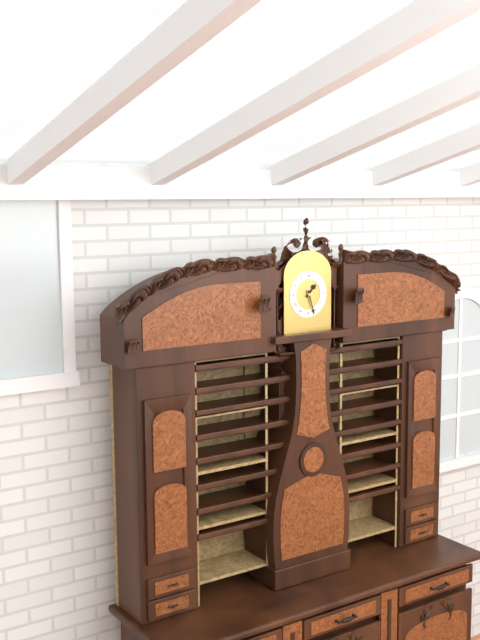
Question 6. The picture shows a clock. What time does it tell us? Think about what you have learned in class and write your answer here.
1:27
